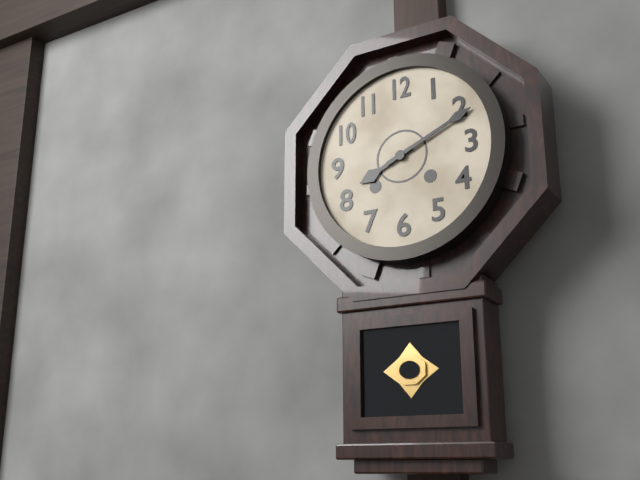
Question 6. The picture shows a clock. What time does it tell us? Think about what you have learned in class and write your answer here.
8:11
